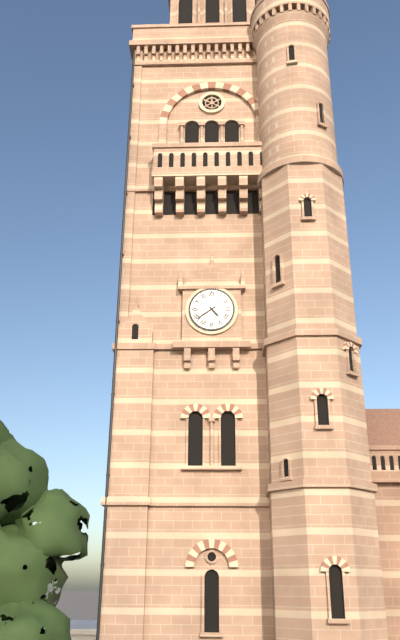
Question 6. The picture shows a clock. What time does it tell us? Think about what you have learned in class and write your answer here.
4:39
